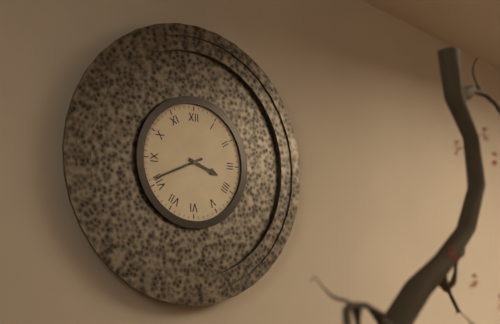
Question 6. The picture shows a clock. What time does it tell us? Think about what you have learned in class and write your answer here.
3:41
